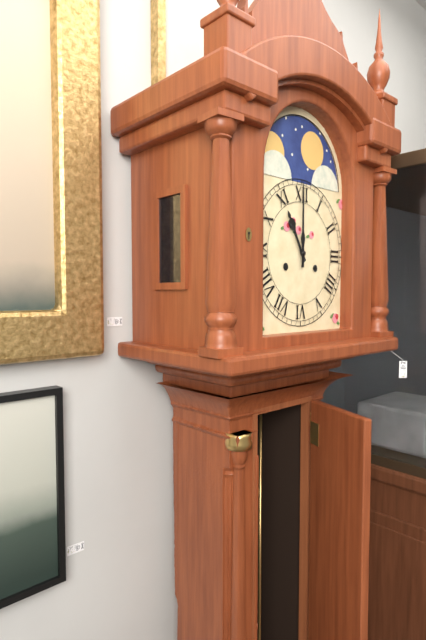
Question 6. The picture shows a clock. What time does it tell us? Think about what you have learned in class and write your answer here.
11:00
